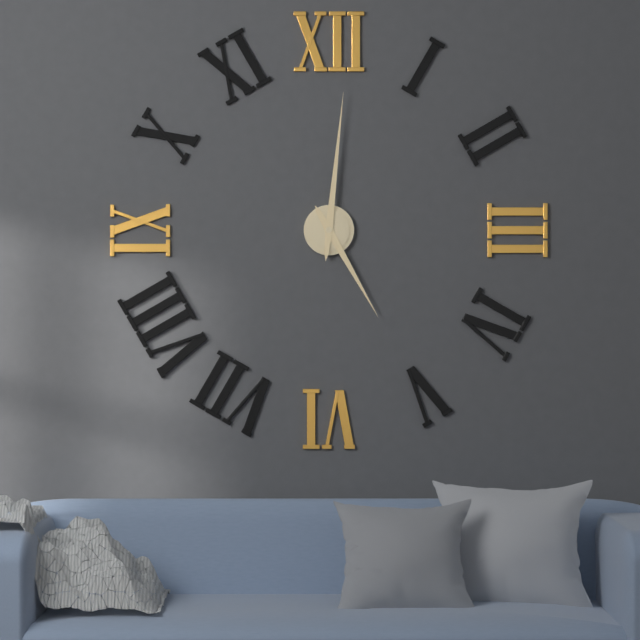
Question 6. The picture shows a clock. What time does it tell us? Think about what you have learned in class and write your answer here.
5:01
